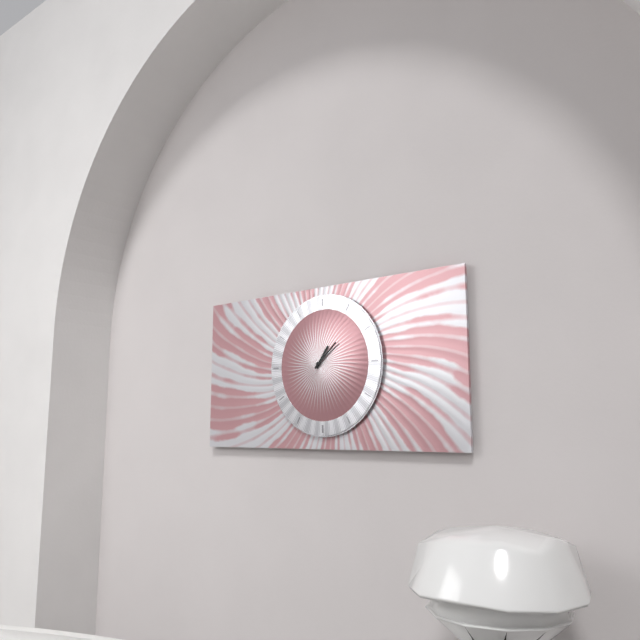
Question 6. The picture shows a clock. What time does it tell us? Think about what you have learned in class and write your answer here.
1:08
